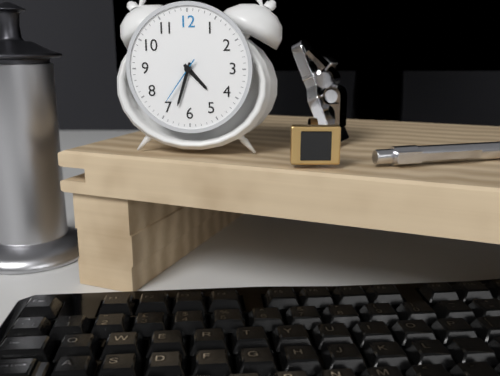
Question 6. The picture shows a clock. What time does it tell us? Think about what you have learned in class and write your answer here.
4:33
